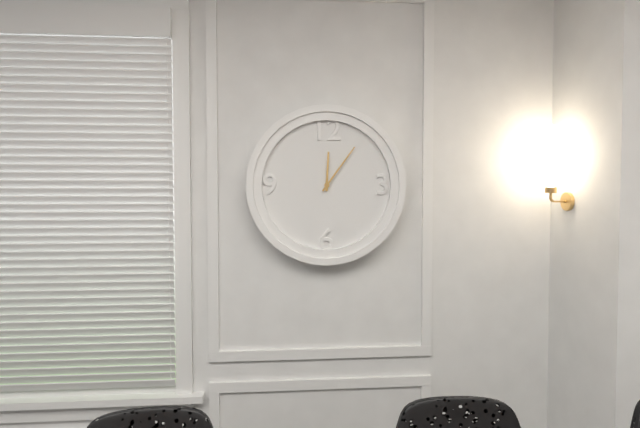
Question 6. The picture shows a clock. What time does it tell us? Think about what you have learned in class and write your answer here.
12:06
